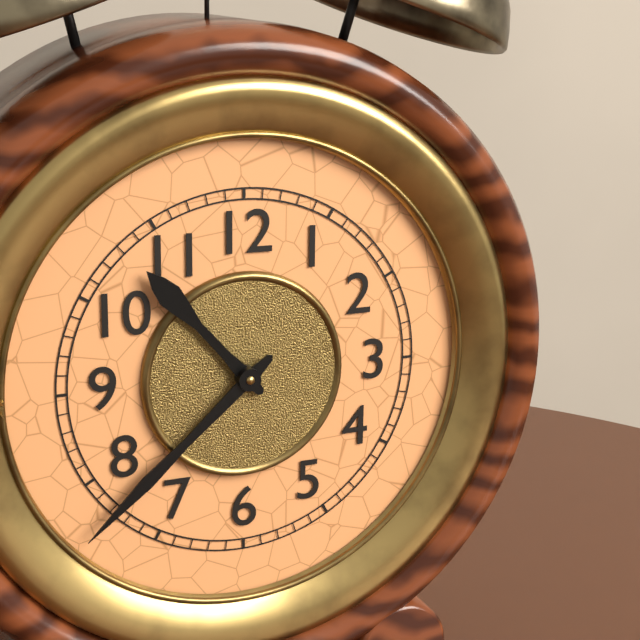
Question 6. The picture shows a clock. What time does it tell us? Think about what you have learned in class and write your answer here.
10:38
